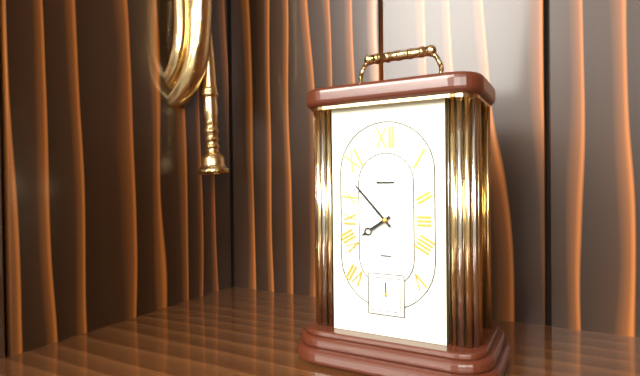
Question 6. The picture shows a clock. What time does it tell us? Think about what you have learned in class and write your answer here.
7:53
